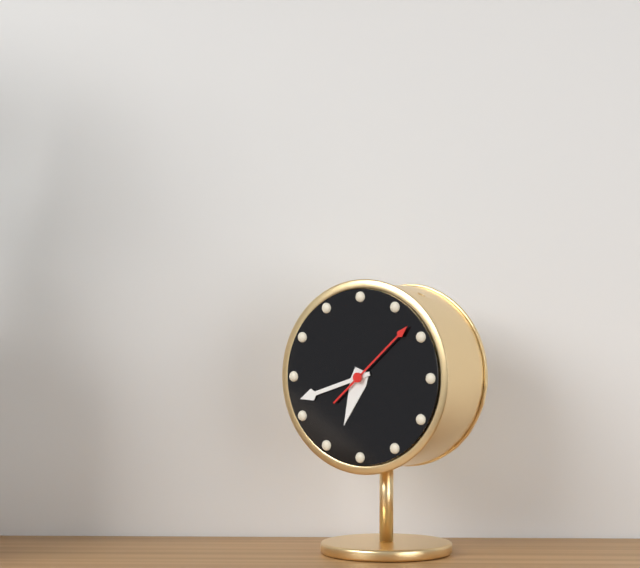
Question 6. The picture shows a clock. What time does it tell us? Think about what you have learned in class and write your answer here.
6:42:08
